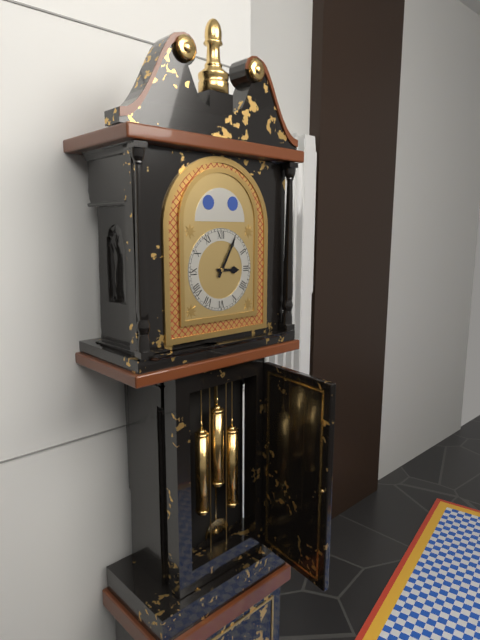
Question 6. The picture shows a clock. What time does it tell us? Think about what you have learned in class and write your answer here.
3:05
